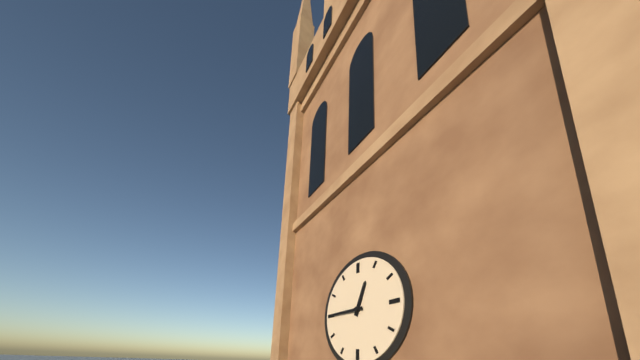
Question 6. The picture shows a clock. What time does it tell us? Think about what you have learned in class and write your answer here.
12:45
